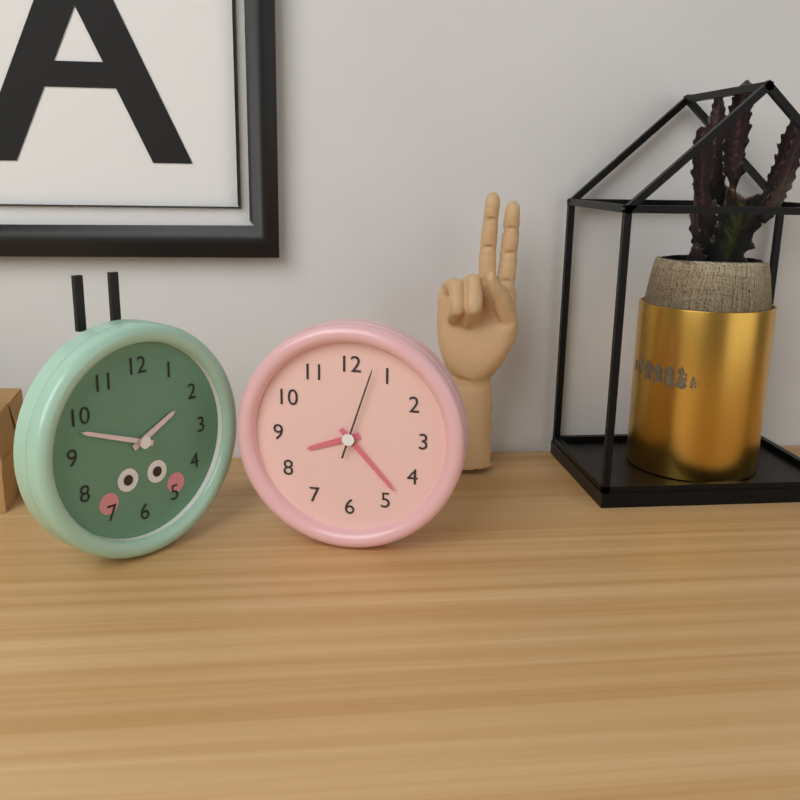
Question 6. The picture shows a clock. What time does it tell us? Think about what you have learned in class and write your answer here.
8:23:03
